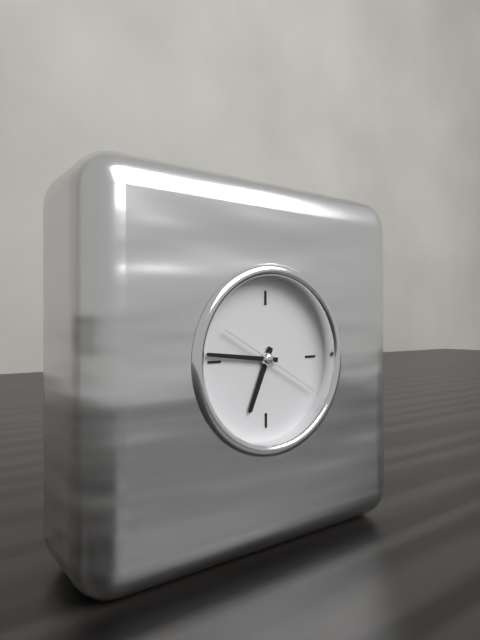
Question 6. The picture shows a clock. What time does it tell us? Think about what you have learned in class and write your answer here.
6:46:20
